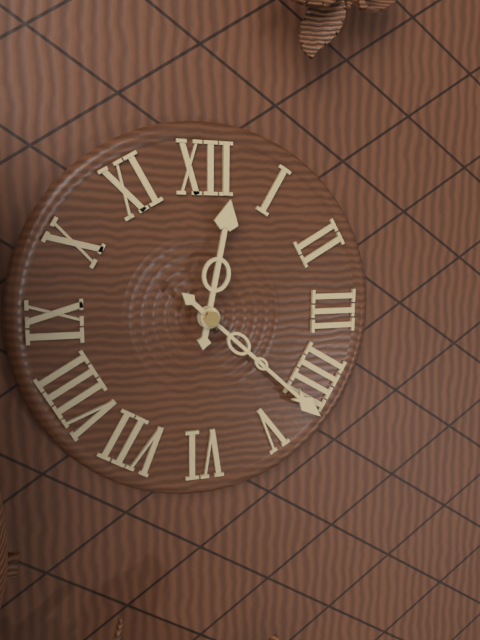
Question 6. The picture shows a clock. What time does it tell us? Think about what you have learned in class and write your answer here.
12:22
